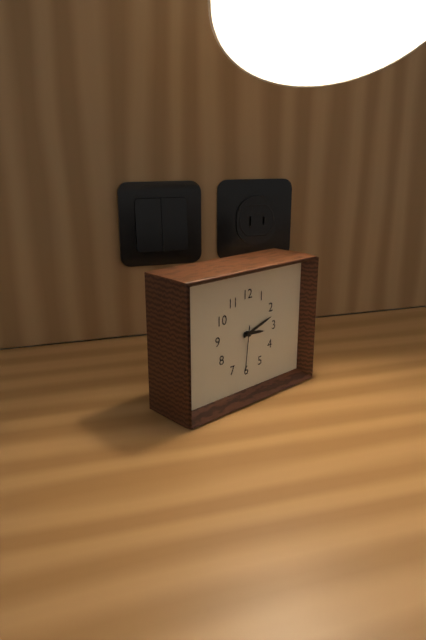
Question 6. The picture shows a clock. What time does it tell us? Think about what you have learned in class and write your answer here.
3:12:31
